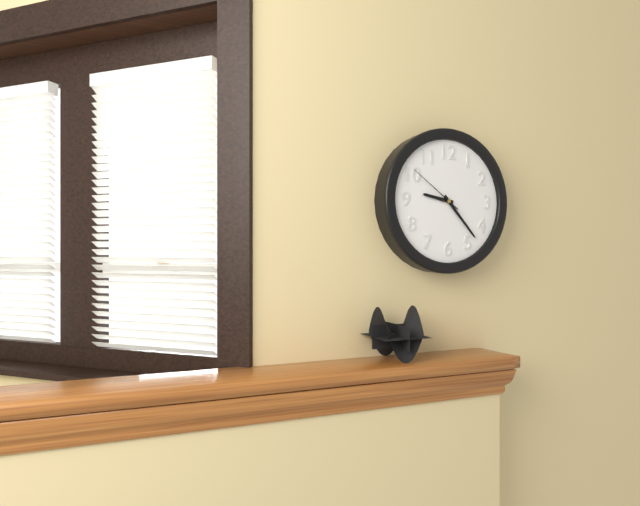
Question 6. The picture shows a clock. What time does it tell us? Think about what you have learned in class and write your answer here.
9:23:51
